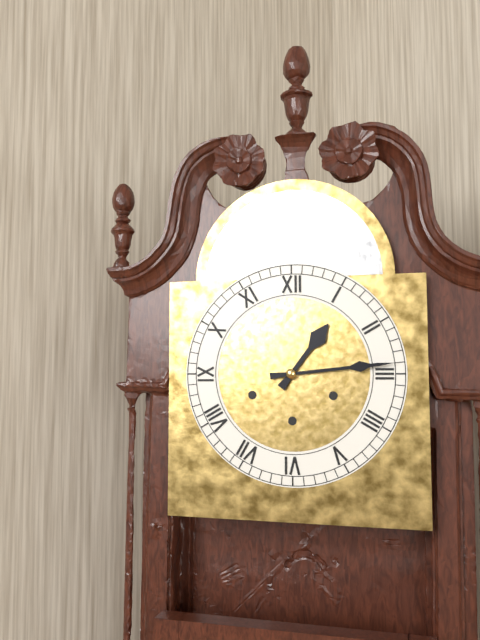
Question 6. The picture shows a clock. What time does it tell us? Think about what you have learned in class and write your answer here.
1:14
